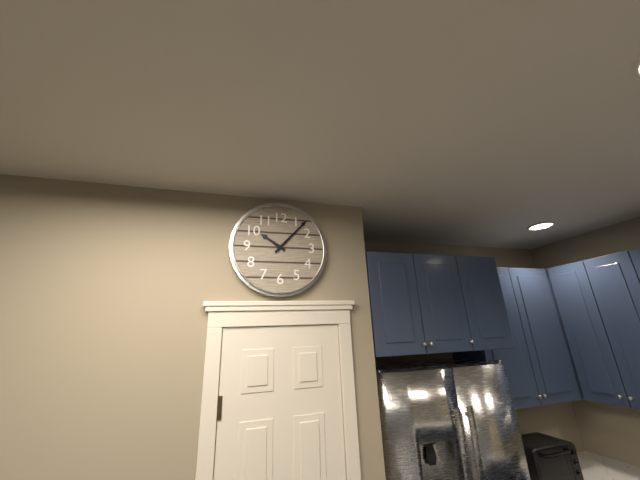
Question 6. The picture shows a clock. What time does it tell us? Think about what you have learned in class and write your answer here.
10:07
